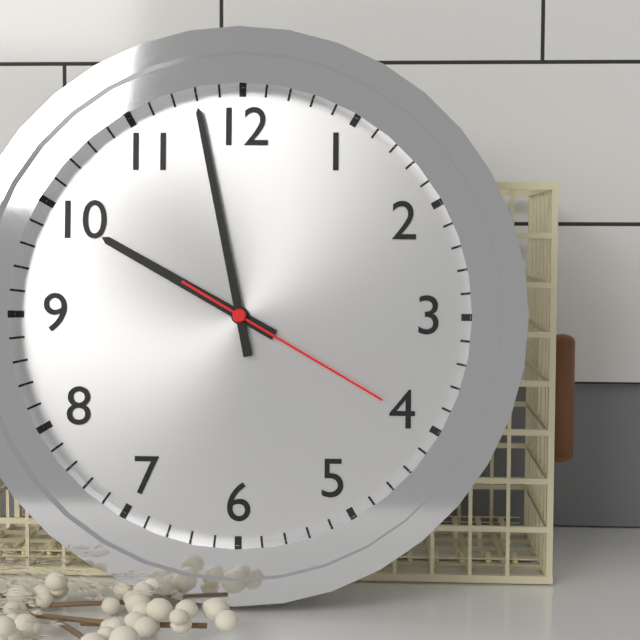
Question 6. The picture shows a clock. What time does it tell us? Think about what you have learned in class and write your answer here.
9:58:20
